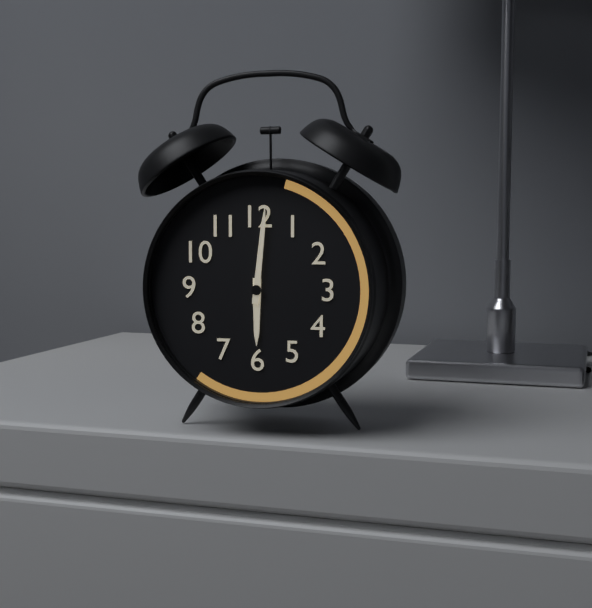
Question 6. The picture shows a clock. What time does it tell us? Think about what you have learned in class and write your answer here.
6:01
